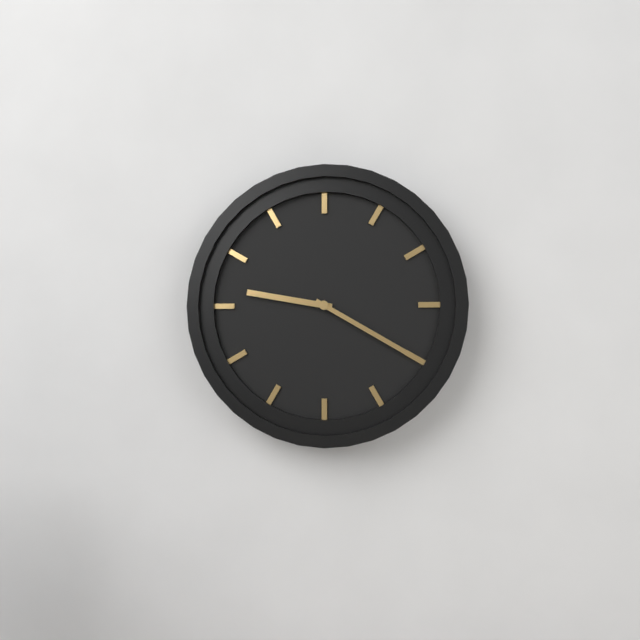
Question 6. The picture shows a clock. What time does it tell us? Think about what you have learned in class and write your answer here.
9:20
